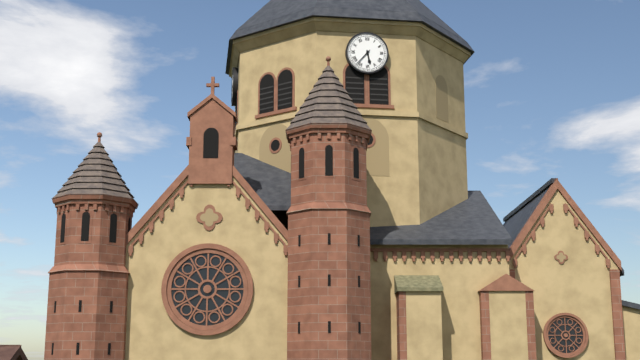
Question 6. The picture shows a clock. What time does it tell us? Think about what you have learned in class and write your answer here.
5:37
